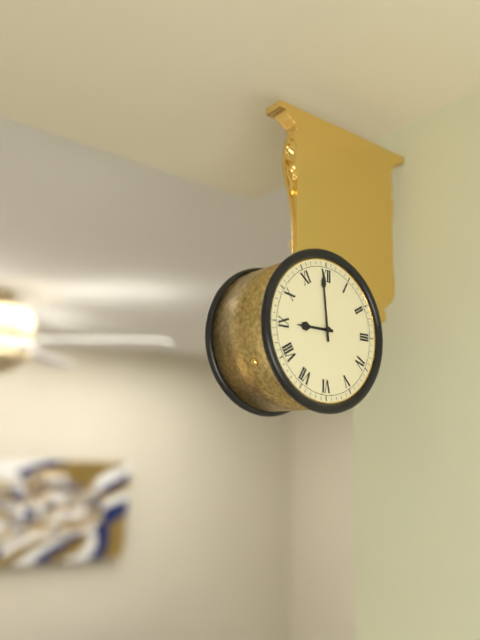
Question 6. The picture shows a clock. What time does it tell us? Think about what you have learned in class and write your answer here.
8:59
